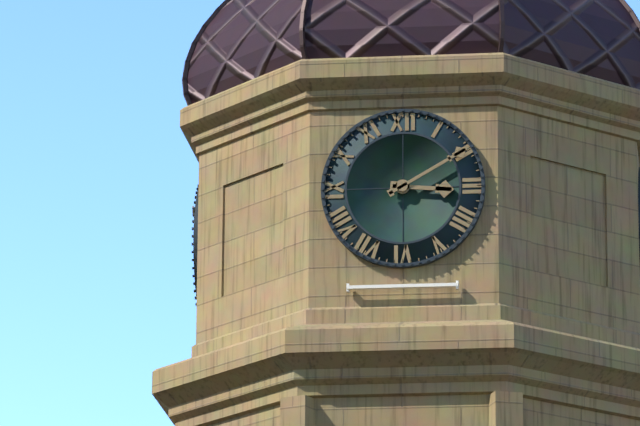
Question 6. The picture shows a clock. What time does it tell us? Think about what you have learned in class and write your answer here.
3:10
